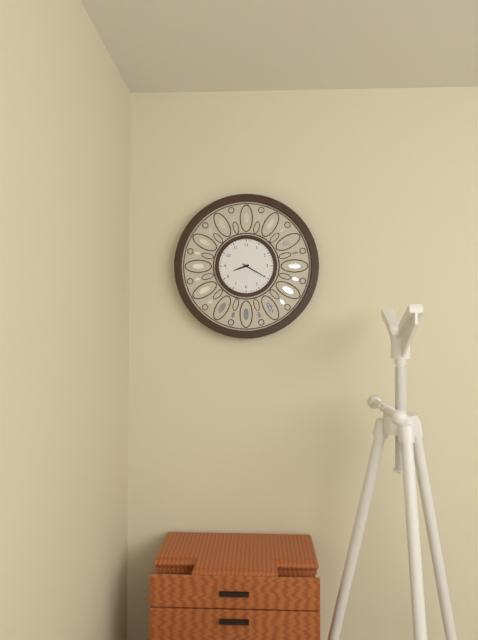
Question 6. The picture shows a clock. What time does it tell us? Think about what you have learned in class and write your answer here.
8:20
